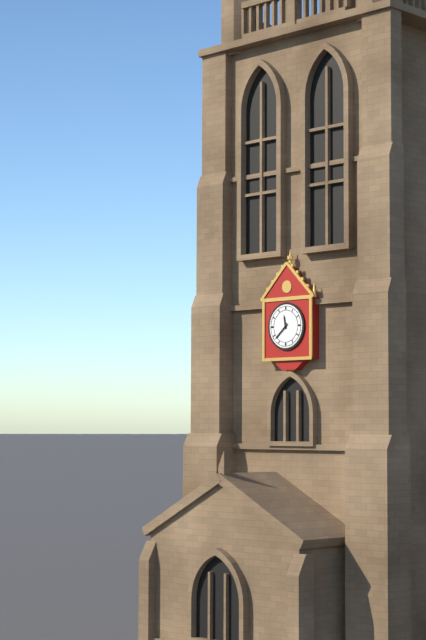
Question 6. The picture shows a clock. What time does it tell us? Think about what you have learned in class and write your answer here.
11:38
